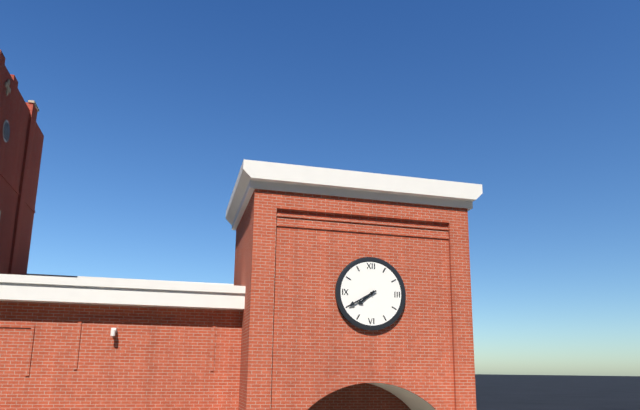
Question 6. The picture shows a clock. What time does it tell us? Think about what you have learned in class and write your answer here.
7:40
